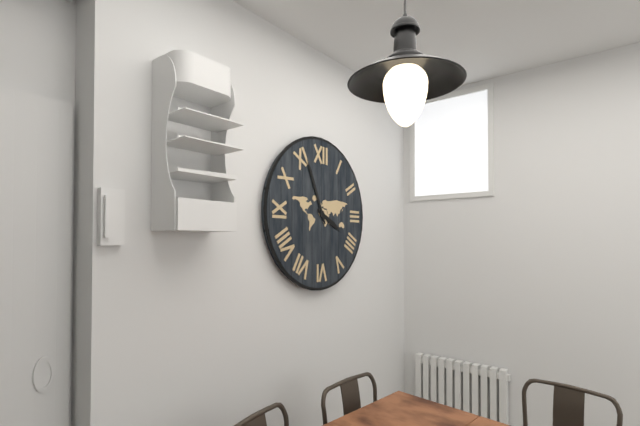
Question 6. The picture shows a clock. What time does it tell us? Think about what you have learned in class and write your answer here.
3:56
